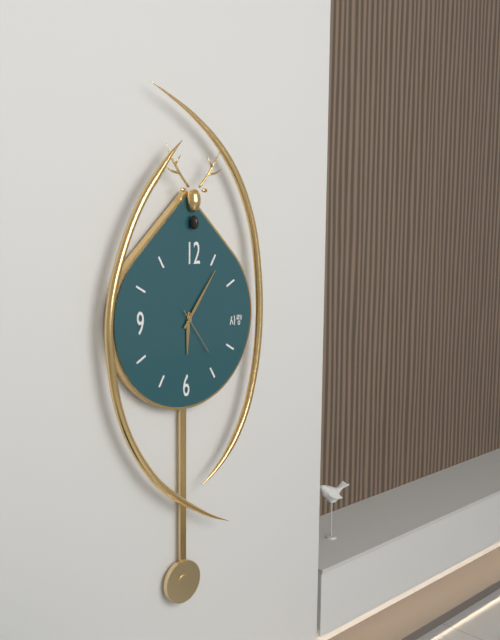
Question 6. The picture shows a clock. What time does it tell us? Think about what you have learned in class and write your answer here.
6:06:24
